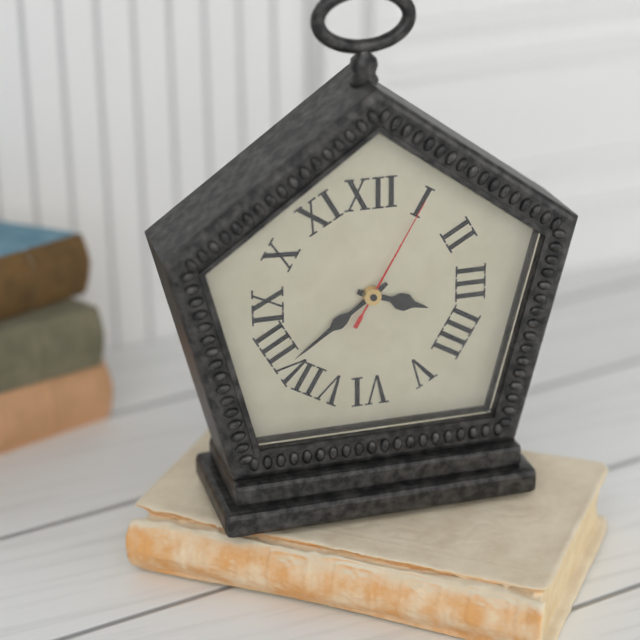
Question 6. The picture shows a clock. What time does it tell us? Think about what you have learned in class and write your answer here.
3:39:05
